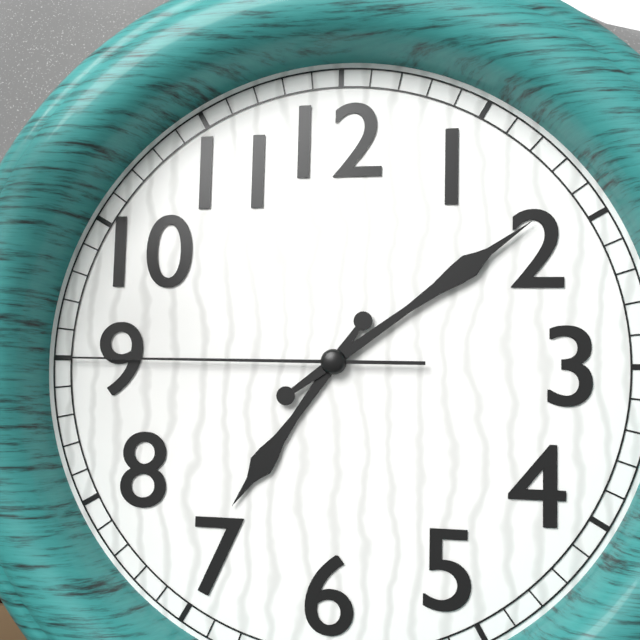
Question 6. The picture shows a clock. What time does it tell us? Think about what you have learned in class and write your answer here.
7:09:45
